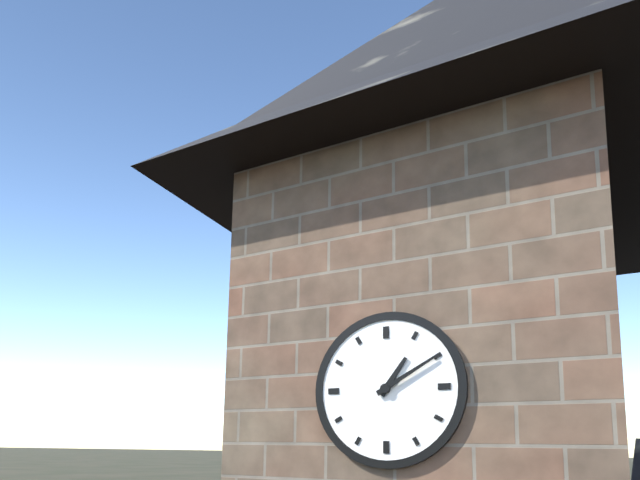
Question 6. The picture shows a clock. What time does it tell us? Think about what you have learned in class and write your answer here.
1:10
